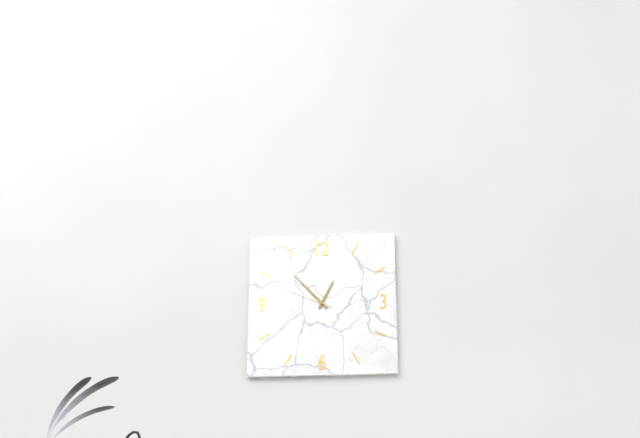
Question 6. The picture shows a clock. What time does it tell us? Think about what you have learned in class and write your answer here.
12:53:49
